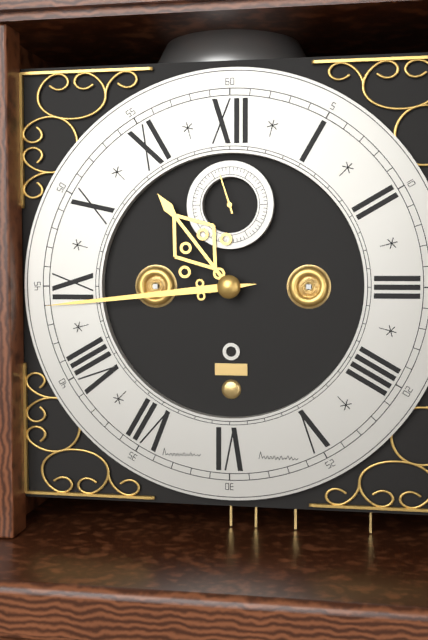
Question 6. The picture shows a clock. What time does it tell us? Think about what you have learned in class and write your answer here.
10:44
